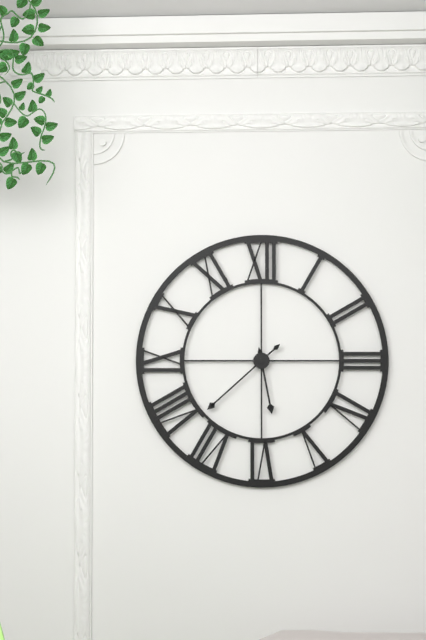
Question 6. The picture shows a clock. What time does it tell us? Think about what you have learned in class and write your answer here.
5:38
